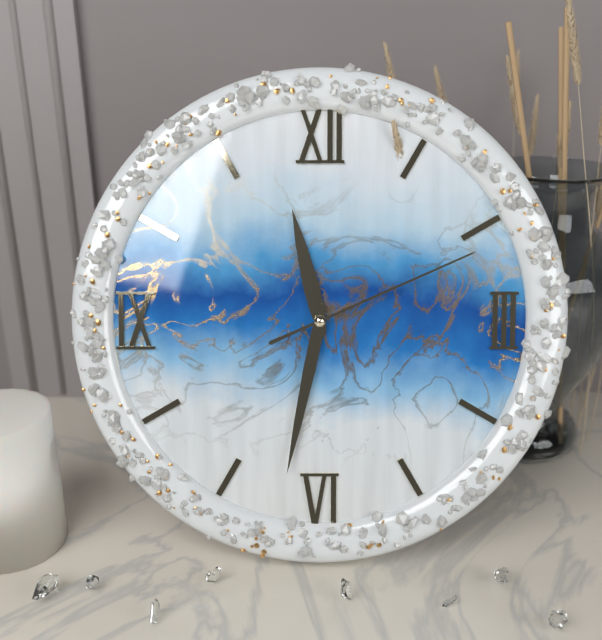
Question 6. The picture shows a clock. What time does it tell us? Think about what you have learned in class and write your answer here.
11:32:11
